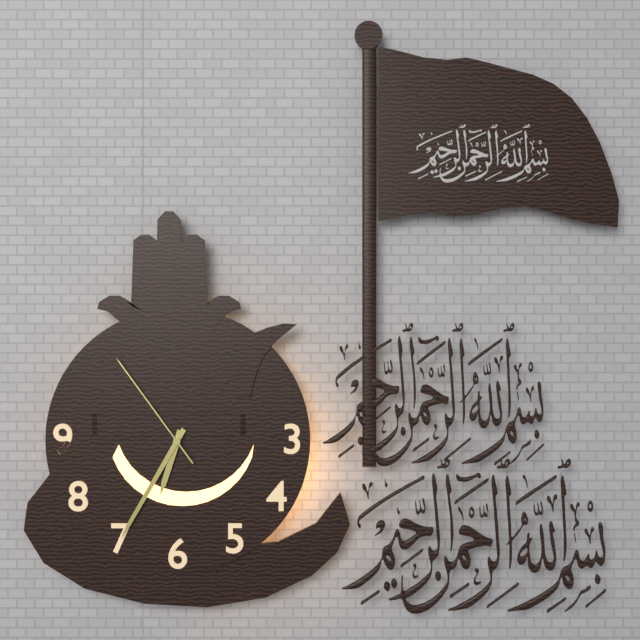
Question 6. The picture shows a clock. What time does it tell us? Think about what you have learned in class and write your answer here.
6:35:54
